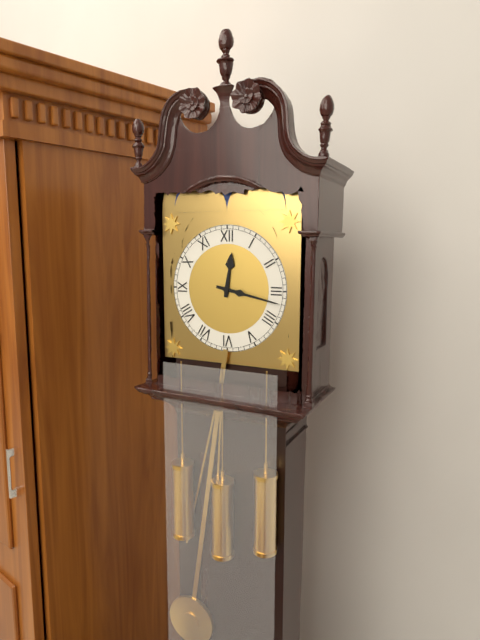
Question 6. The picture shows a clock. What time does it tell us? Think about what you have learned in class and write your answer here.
12:17
